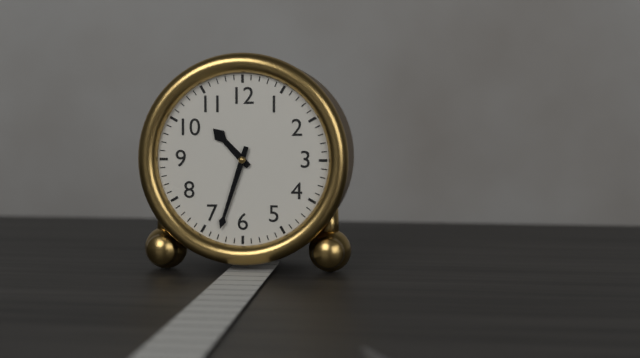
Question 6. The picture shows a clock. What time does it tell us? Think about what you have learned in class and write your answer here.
10:33
